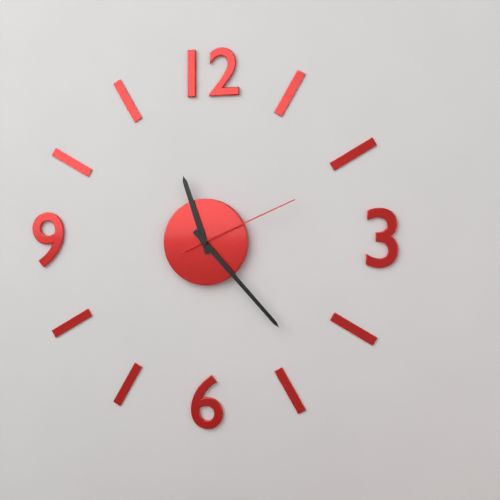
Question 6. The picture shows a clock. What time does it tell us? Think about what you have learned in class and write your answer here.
11:23:11
